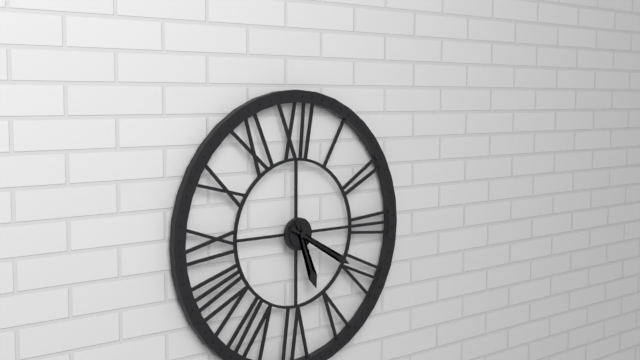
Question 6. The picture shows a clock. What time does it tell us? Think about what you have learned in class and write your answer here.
5:20
